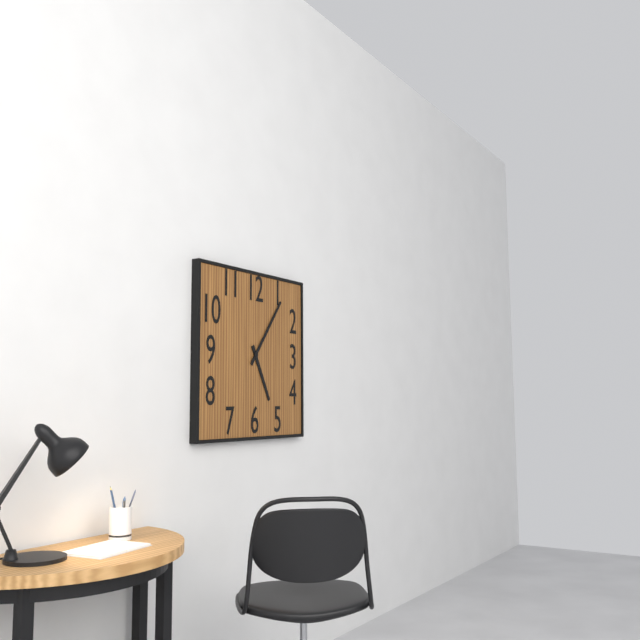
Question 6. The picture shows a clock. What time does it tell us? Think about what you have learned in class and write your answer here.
5:06
